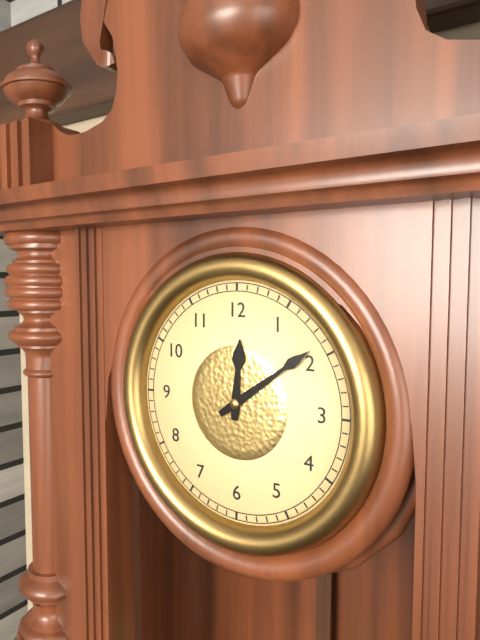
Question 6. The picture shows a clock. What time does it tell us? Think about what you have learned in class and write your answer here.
12:09
